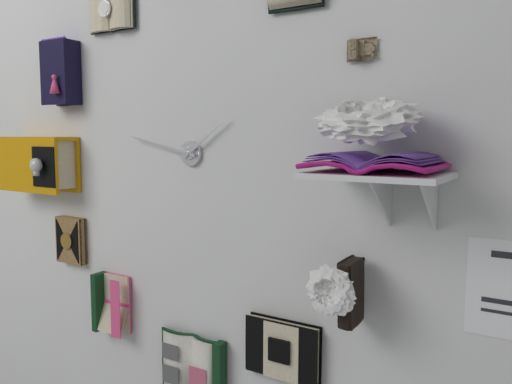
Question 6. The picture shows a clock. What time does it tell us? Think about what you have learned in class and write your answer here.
1:47
